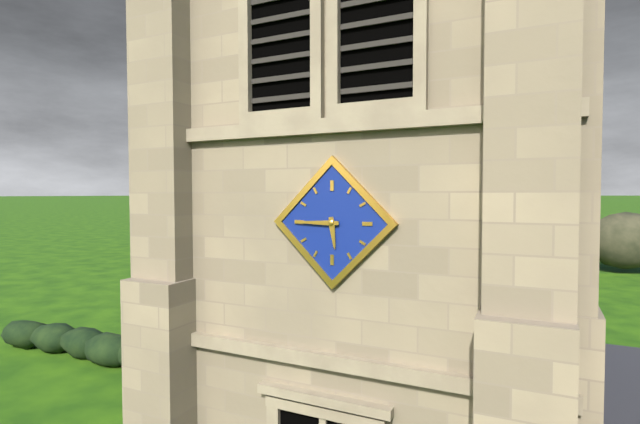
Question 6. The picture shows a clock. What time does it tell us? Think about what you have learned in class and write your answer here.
5:45
